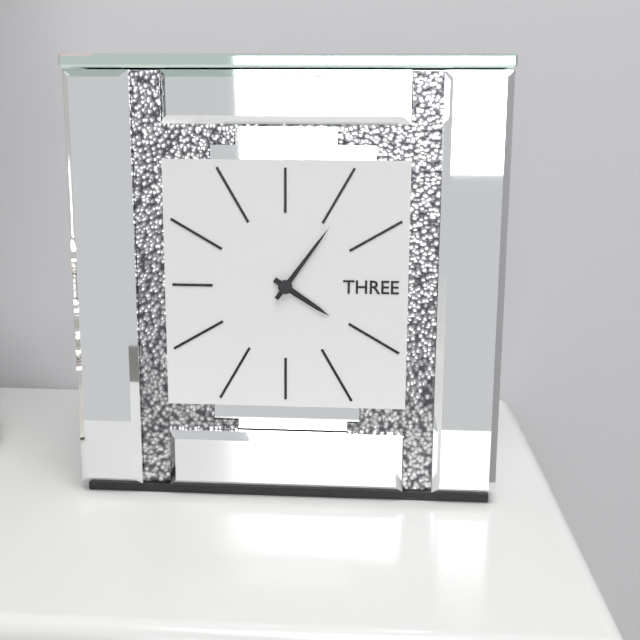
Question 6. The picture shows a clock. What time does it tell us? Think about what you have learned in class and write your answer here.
4:06
